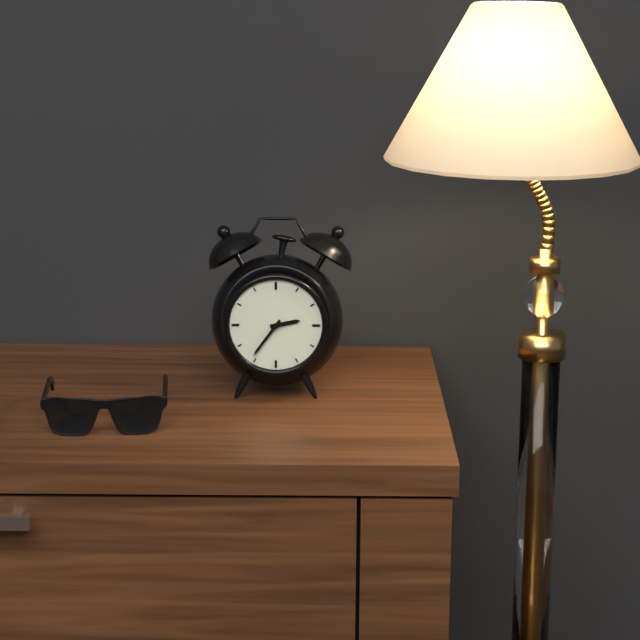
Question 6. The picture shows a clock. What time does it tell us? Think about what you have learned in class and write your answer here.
2:36
